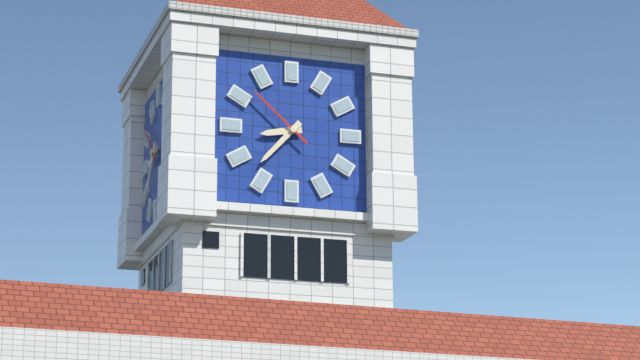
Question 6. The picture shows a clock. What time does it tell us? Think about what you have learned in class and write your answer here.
8:37:52
